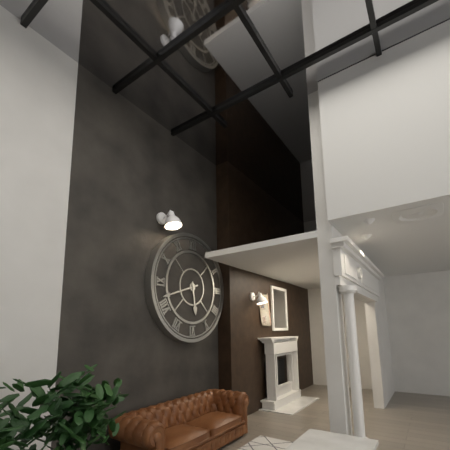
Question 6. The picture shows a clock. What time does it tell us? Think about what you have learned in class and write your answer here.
5:42
